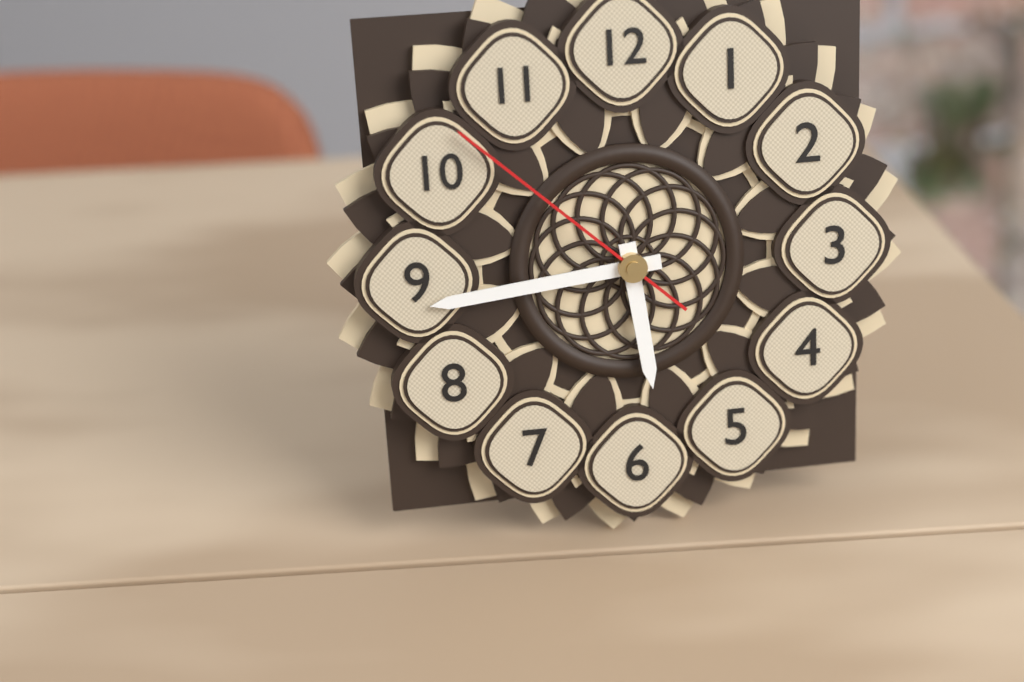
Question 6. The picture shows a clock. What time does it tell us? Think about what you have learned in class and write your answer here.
5:44:52
